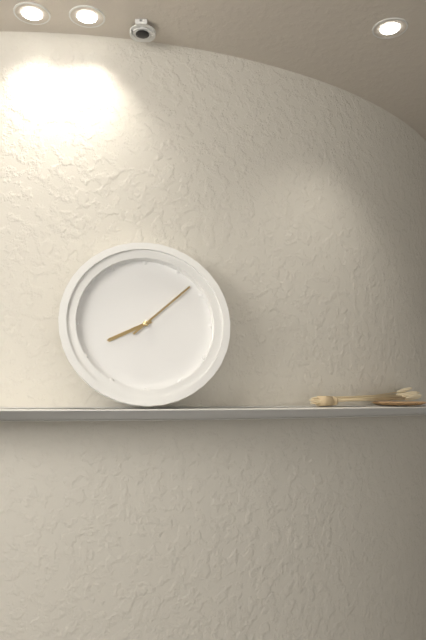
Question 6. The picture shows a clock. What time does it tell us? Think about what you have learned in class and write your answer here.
8:08
